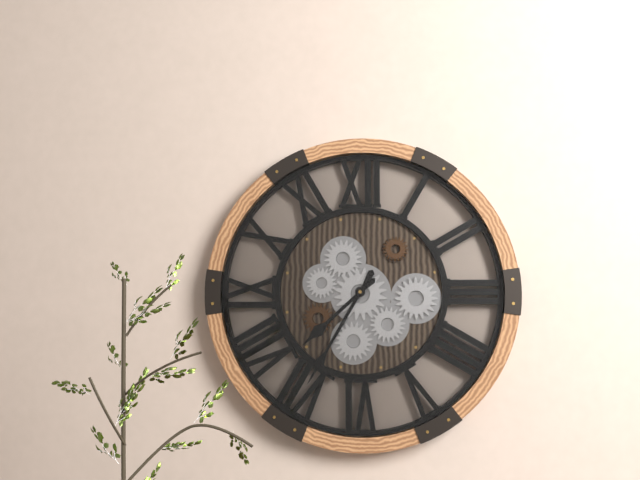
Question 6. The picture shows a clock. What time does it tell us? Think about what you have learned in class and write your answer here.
7:35
